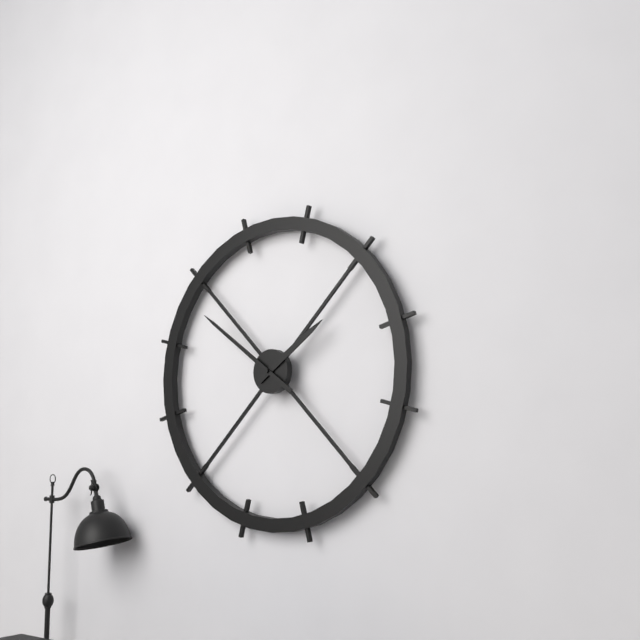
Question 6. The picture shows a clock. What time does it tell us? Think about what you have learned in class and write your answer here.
1:51
